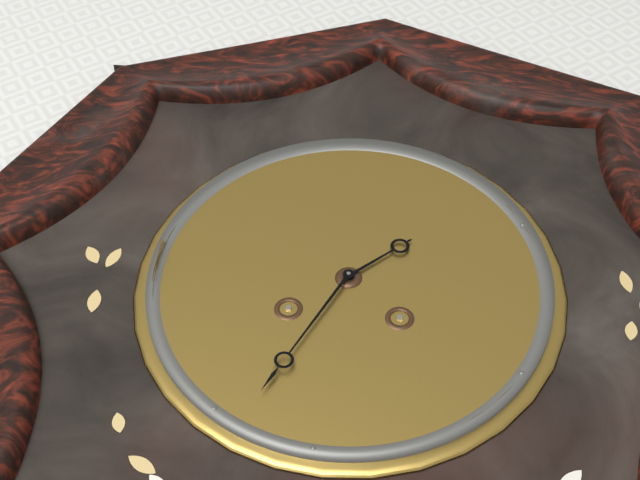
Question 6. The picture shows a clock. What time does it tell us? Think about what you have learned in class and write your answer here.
1:34
